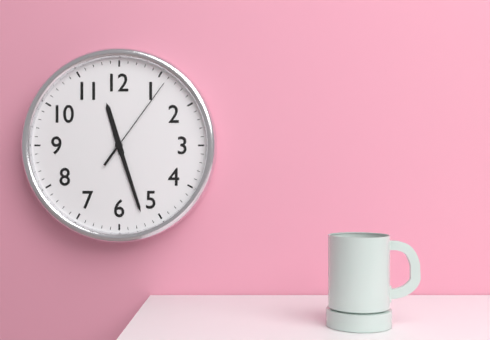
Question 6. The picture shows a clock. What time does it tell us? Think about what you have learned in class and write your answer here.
11:27:06
